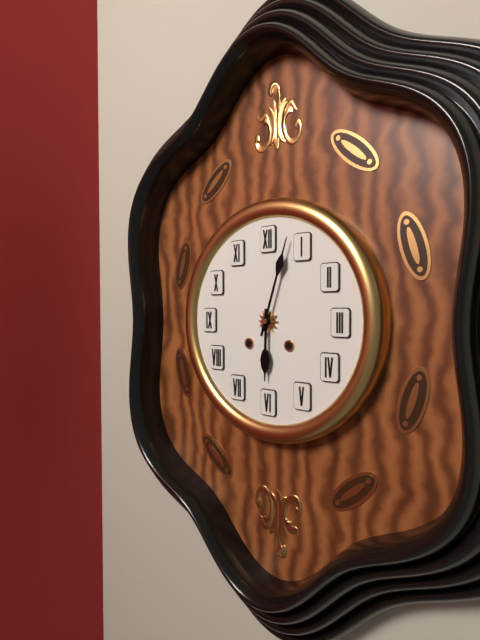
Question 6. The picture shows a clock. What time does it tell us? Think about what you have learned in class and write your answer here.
6:03
